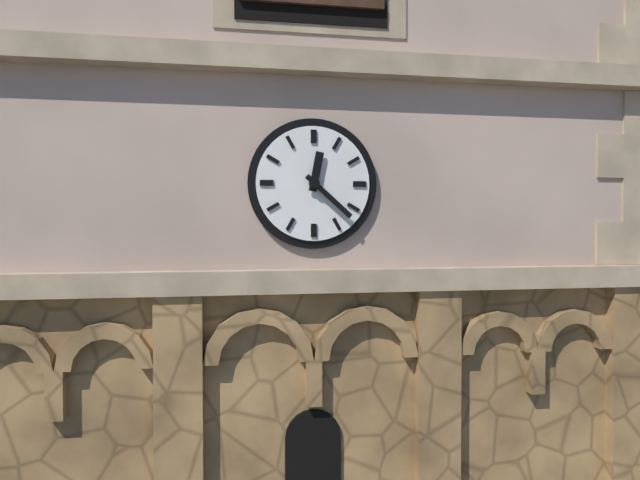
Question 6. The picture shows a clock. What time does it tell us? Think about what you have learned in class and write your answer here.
12:22
